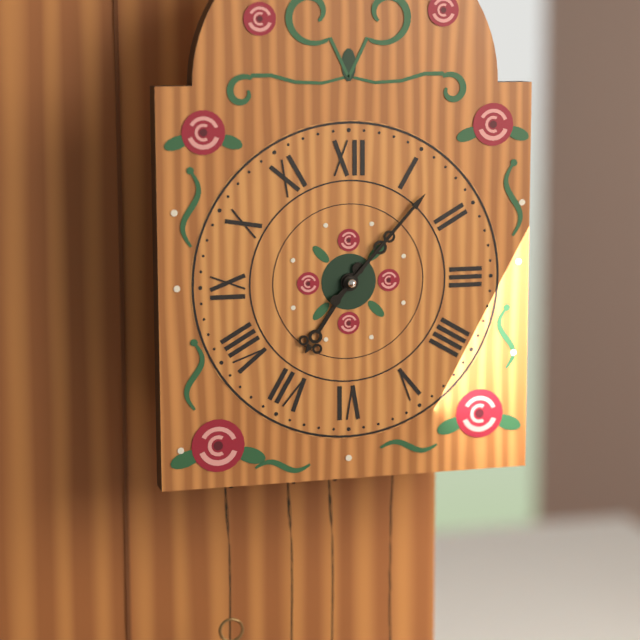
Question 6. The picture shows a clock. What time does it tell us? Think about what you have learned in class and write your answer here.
7:07
